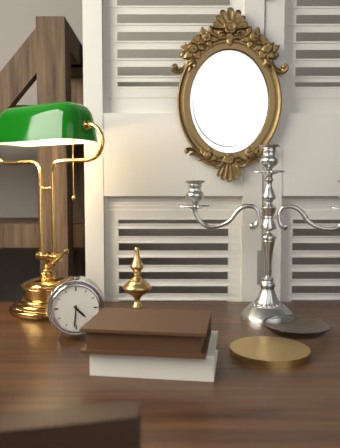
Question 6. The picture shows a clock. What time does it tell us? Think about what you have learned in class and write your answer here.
4:31
